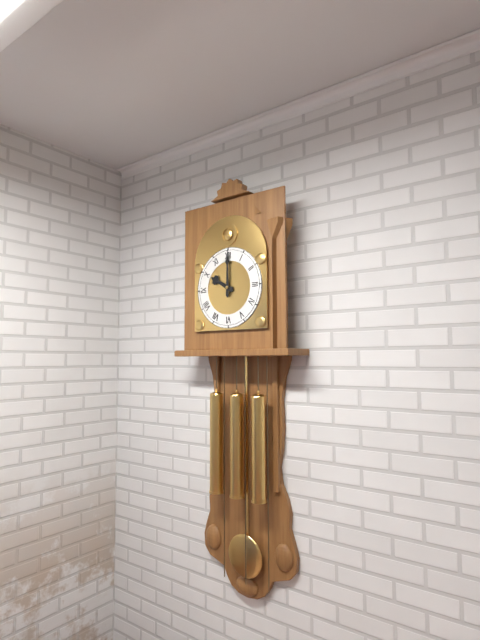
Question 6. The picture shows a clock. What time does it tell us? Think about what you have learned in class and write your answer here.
10:00
